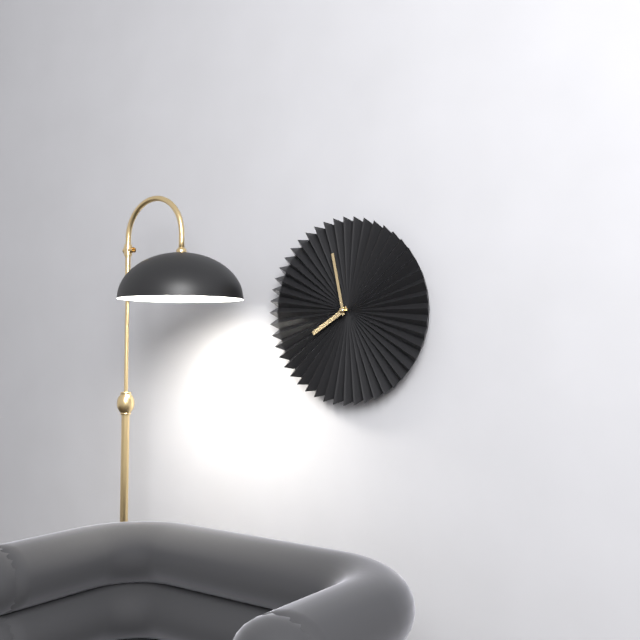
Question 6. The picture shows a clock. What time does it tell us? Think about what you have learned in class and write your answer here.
7:58
